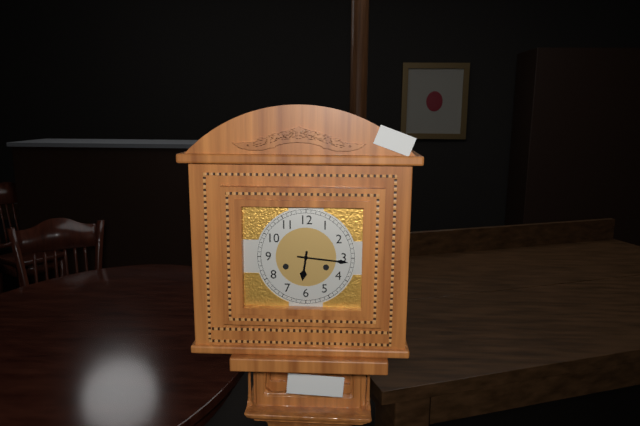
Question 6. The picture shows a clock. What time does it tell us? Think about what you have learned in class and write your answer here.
6:16
